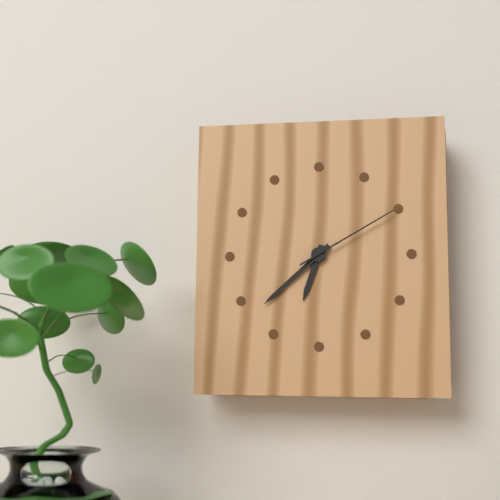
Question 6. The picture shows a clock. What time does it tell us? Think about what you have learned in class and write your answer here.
6:38:10
